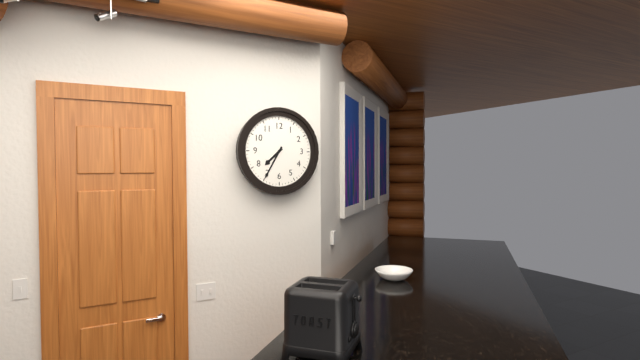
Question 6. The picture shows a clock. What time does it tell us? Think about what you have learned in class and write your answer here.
7:35
